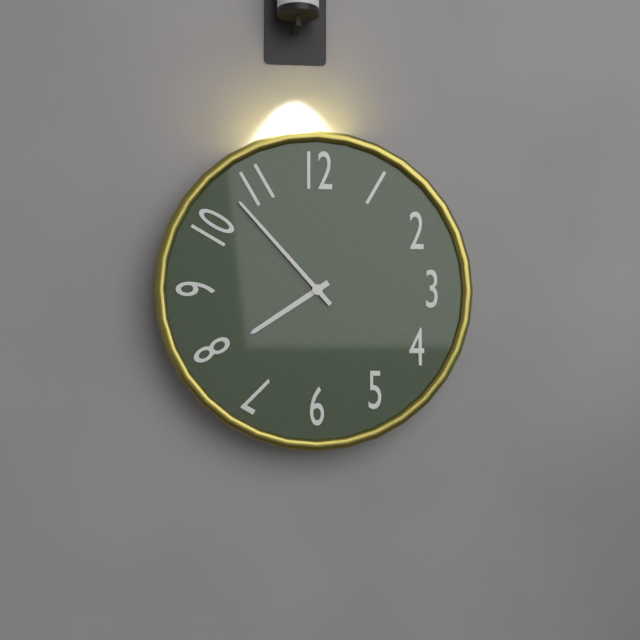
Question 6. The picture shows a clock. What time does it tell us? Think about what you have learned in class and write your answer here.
7:53
